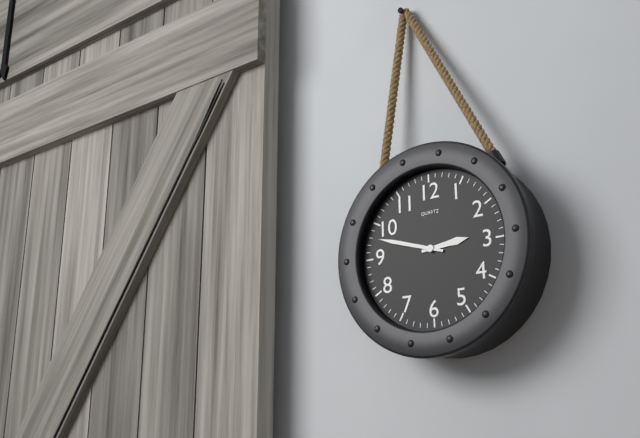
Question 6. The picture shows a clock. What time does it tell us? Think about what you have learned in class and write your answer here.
2:48
